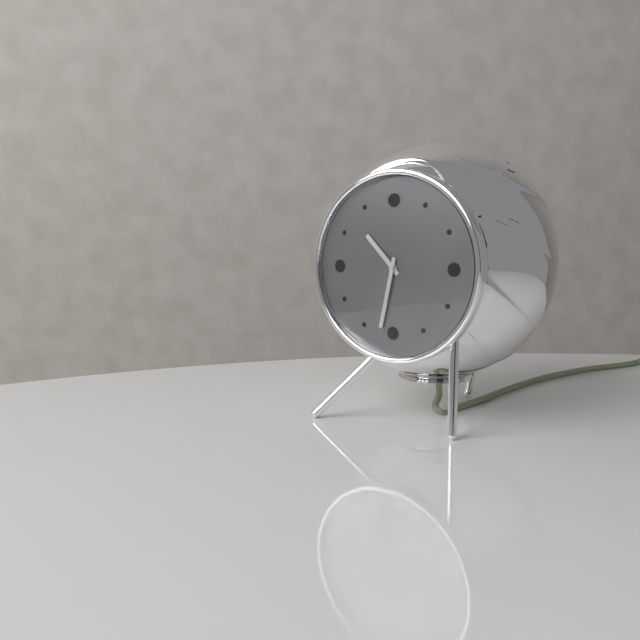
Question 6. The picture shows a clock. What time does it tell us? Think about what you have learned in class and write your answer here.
10:32
